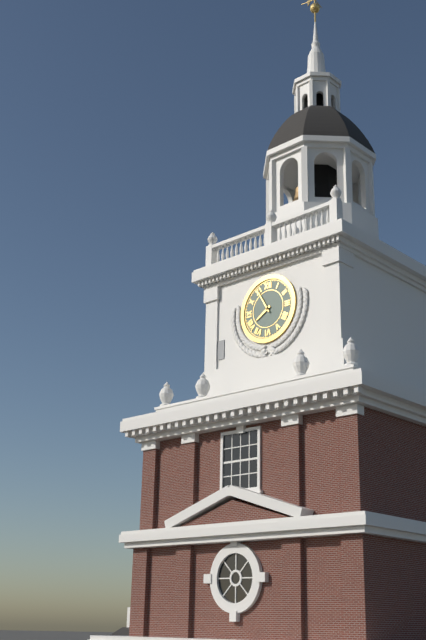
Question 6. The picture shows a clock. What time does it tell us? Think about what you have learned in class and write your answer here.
7:55
